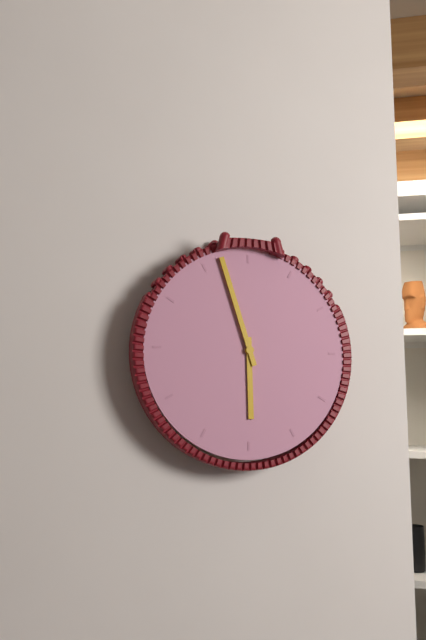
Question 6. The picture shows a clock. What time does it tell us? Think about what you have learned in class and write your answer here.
5:57
